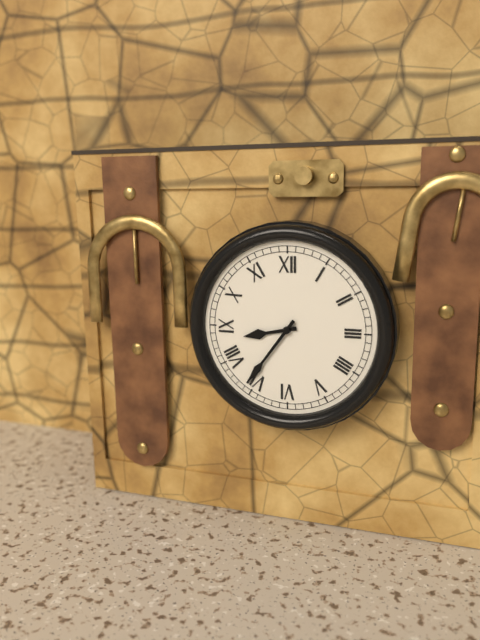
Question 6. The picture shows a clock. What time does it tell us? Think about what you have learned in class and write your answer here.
8:36
